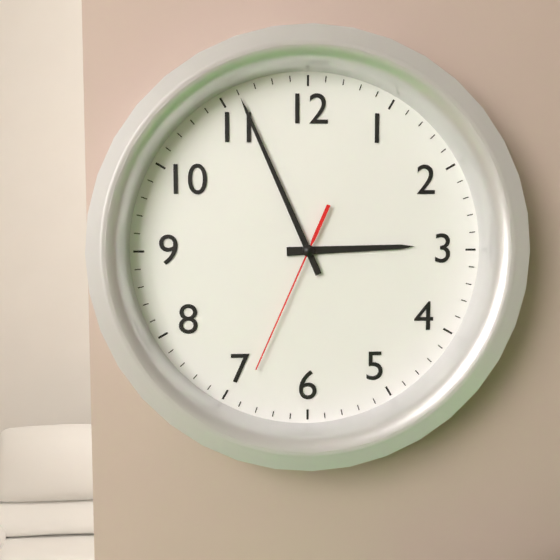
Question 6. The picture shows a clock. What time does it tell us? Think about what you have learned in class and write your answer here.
2:56:34
